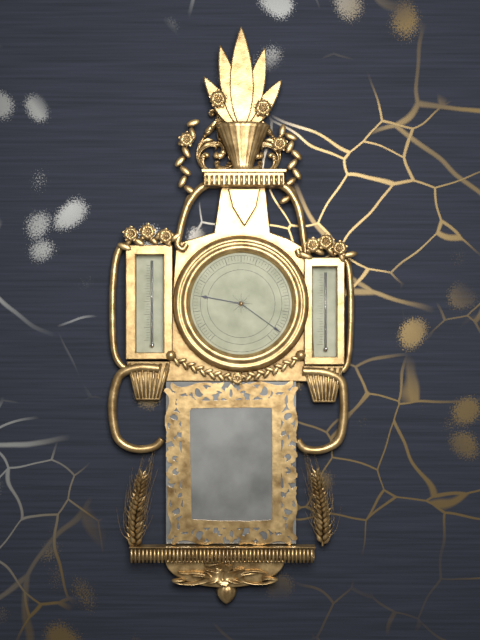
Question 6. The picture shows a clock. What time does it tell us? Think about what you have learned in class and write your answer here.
9:21
